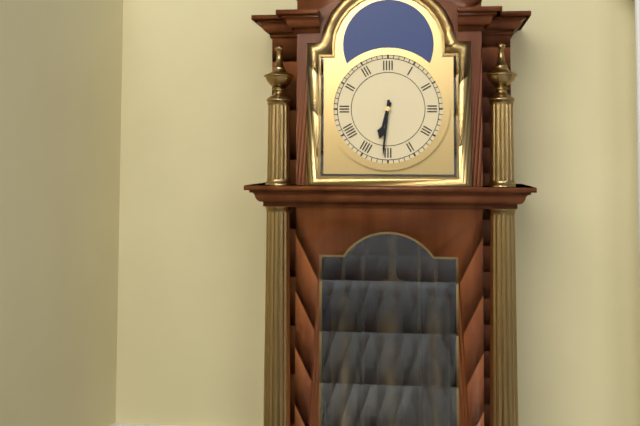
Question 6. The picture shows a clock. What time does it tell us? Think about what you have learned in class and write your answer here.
6:31
